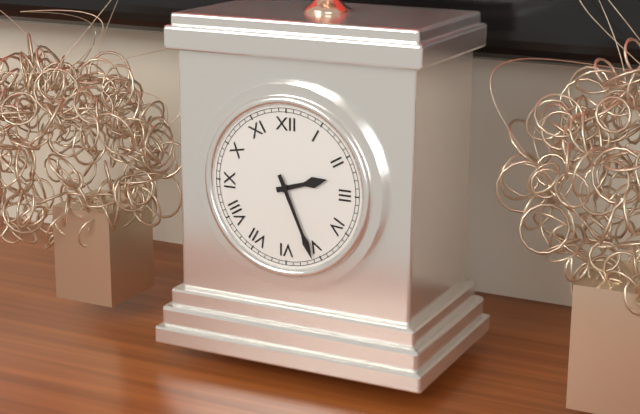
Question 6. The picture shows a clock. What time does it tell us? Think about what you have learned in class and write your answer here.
2:26
